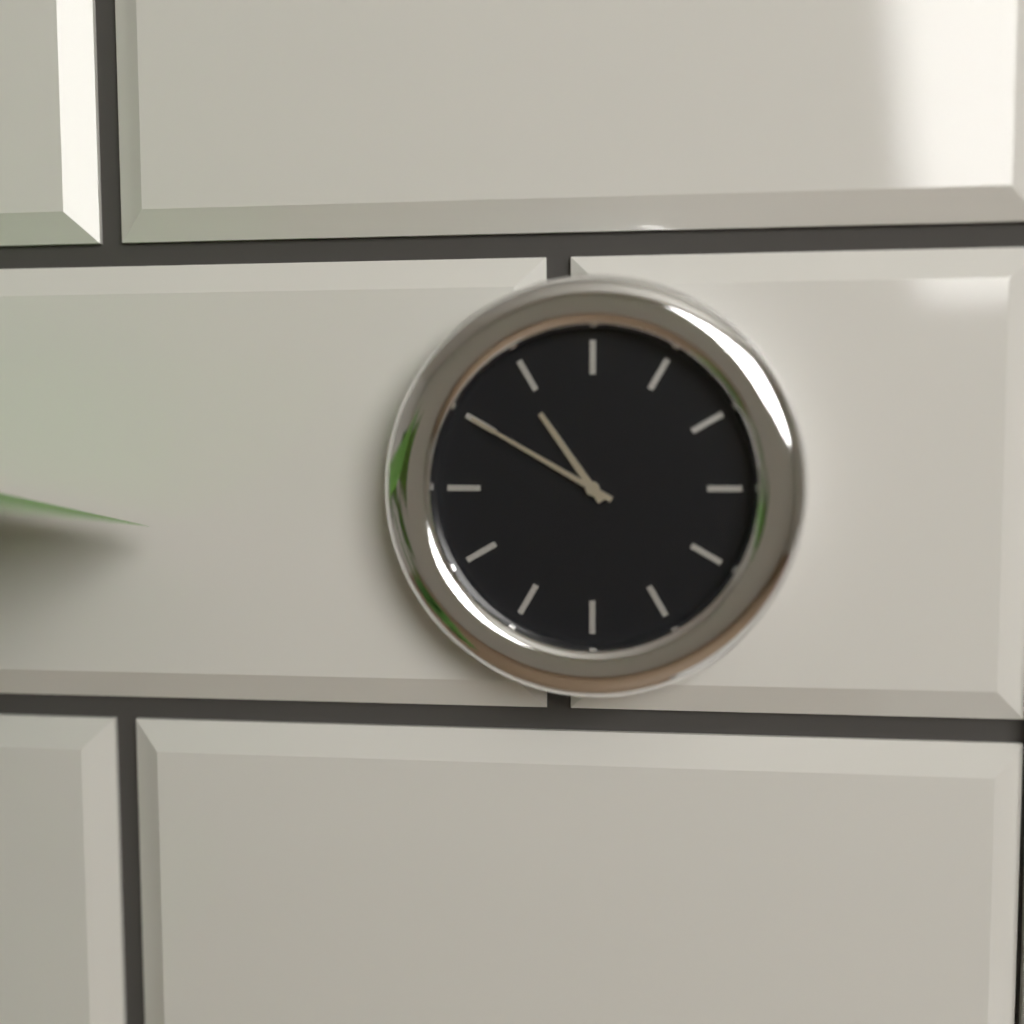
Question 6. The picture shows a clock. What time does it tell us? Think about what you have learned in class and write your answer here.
10:50
